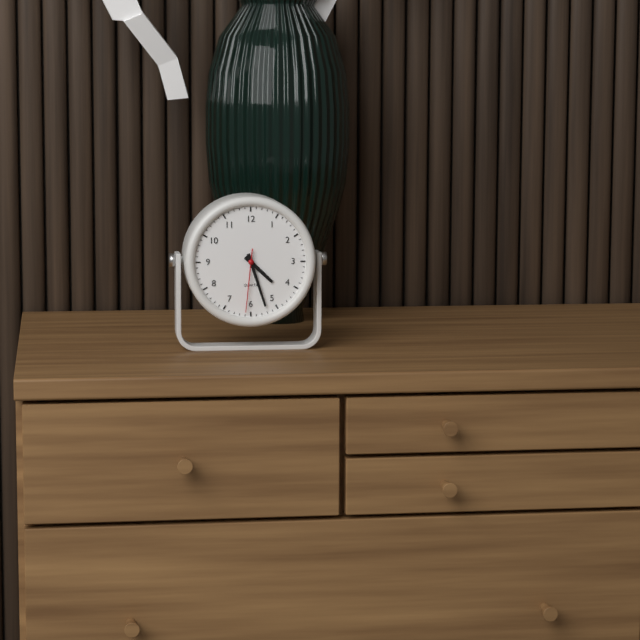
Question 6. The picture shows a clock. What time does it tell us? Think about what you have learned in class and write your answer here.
4:27:31
